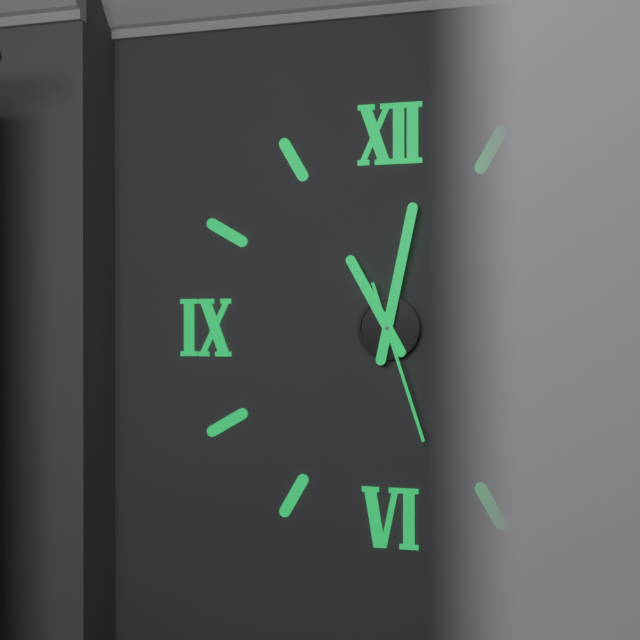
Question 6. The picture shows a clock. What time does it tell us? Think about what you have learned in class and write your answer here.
11:02:27
